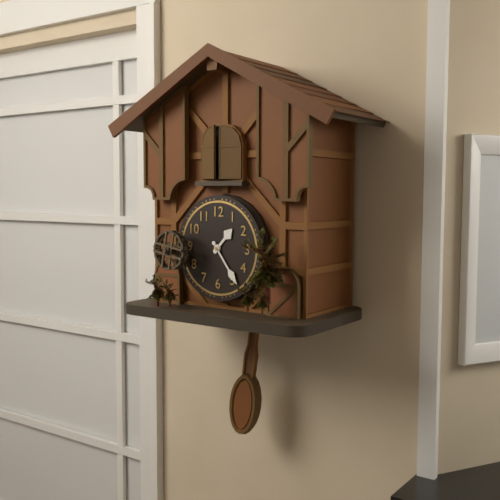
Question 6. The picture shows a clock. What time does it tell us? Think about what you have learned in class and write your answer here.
1:24
